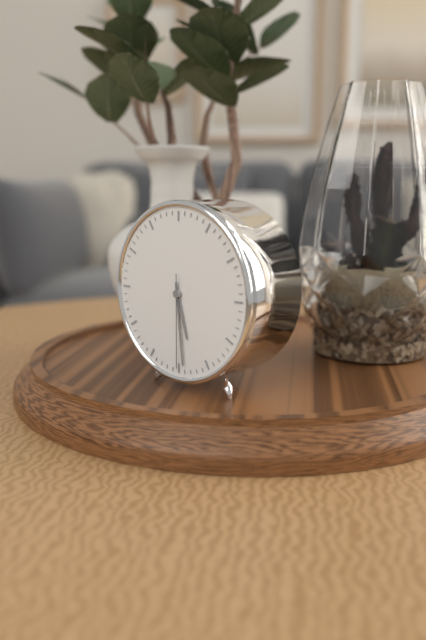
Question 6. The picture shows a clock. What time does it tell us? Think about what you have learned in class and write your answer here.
5:29:30
